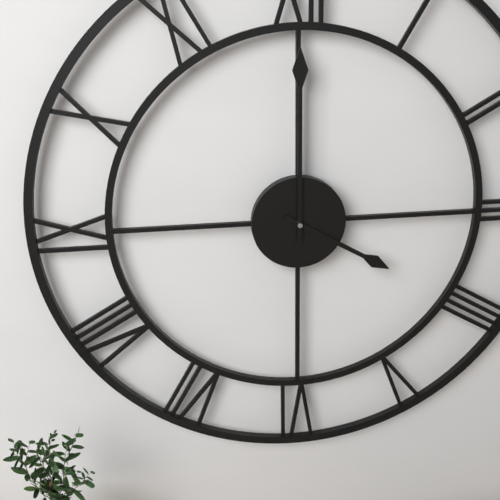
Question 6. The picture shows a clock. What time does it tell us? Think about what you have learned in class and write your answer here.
4:00
